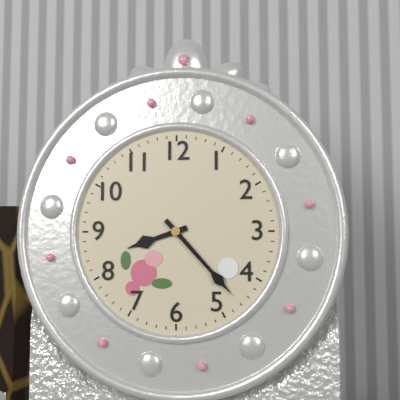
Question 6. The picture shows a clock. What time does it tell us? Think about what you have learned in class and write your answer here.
8:23
